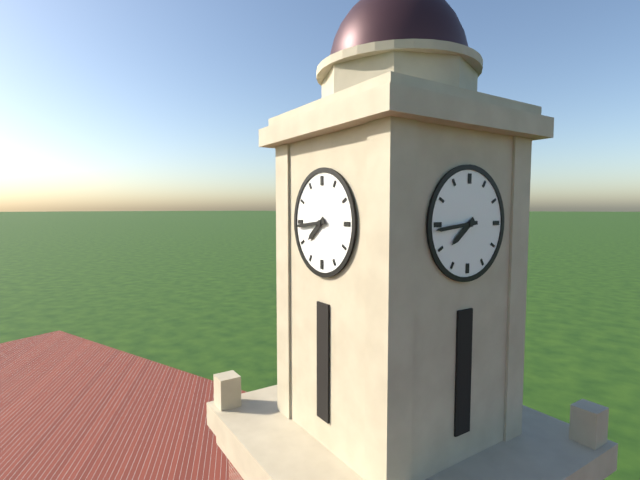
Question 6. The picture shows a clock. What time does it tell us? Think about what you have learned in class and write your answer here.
7:44
